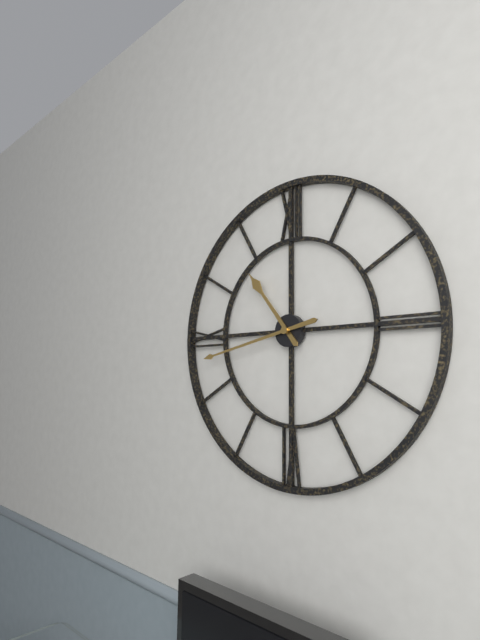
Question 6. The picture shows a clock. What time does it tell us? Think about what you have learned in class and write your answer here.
10:43
